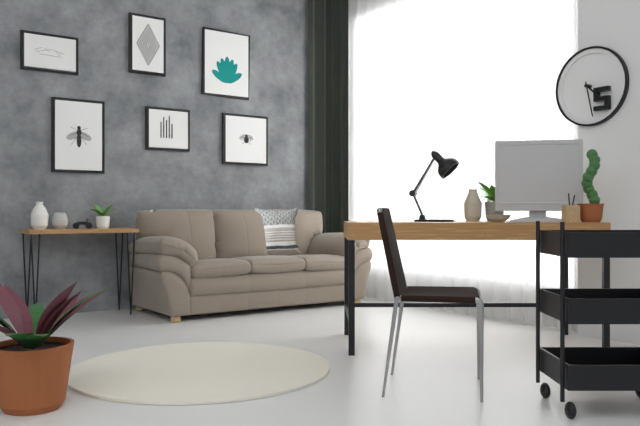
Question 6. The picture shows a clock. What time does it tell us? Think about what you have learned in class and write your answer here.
4:28
